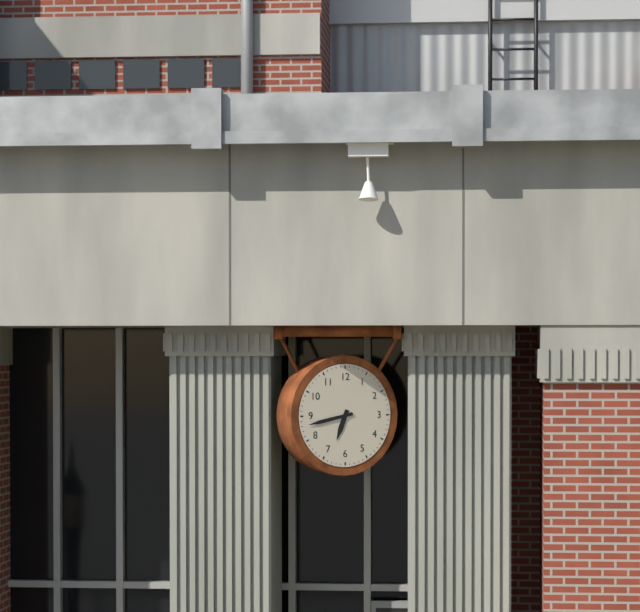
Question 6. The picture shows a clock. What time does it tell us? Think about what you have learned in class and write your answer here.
6:43
